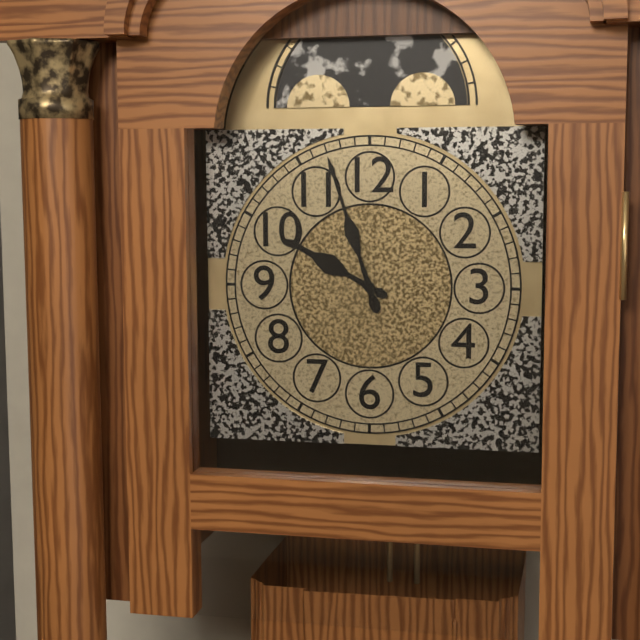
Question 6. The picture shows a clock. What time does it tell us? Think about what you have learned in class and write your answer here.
9:57
